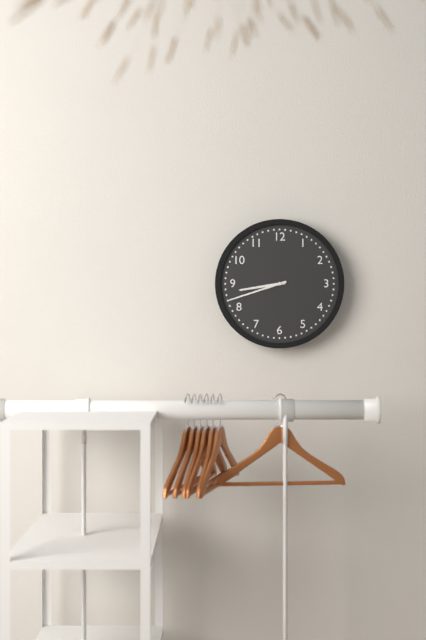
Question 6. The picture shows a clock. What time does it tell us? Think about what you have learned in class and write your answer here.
8:42
